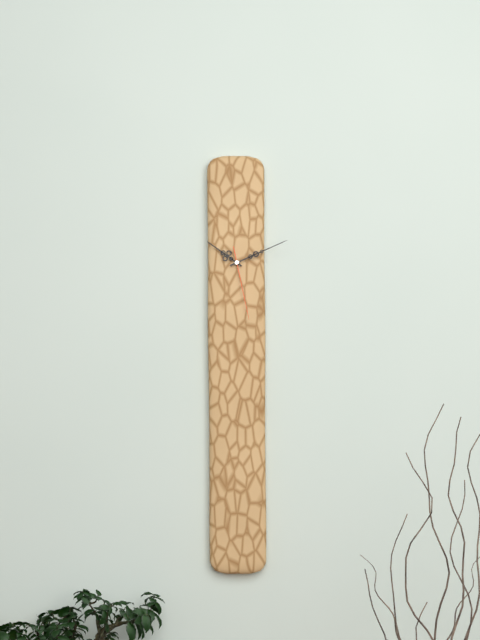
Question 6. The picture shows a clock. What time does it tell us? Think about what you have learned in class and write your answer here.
10:11:28
